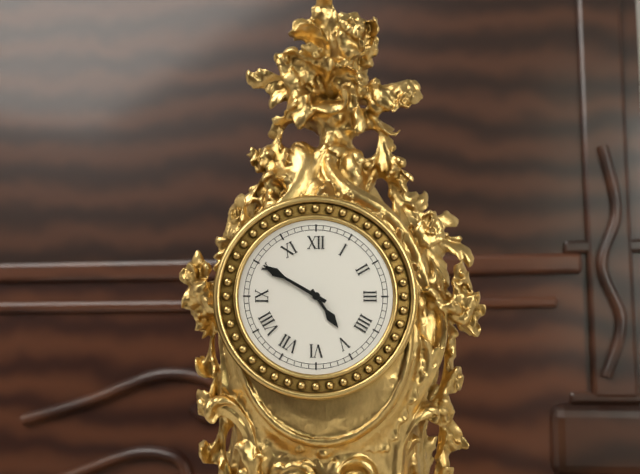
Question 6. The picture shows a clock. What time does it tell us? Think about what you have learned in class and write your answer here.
4:50
